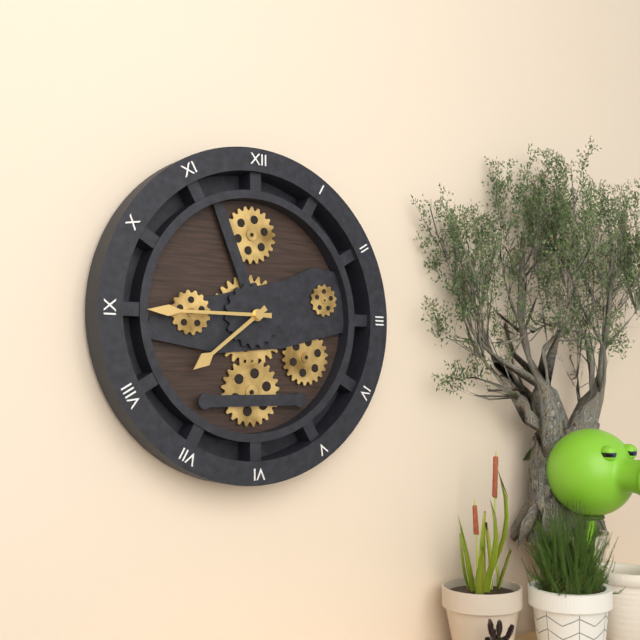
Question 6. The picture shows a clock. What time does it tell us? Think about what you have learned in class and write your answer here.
7:45
